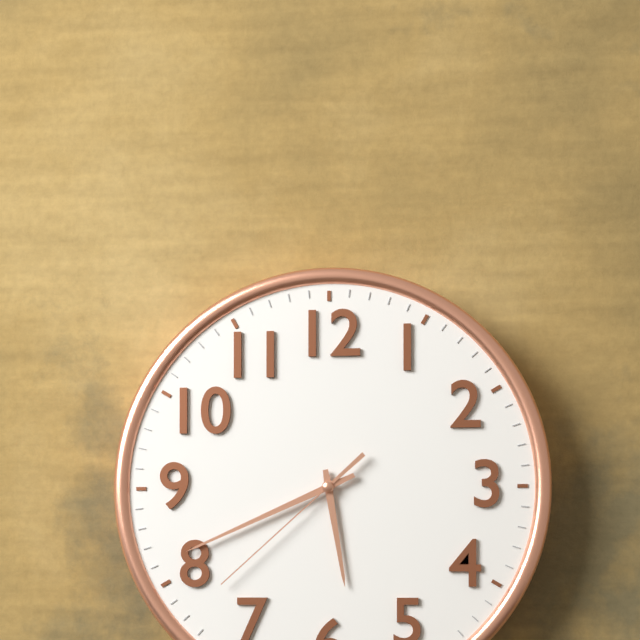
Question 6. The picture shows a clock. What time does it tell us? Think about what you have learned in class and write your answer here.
5:41:38
